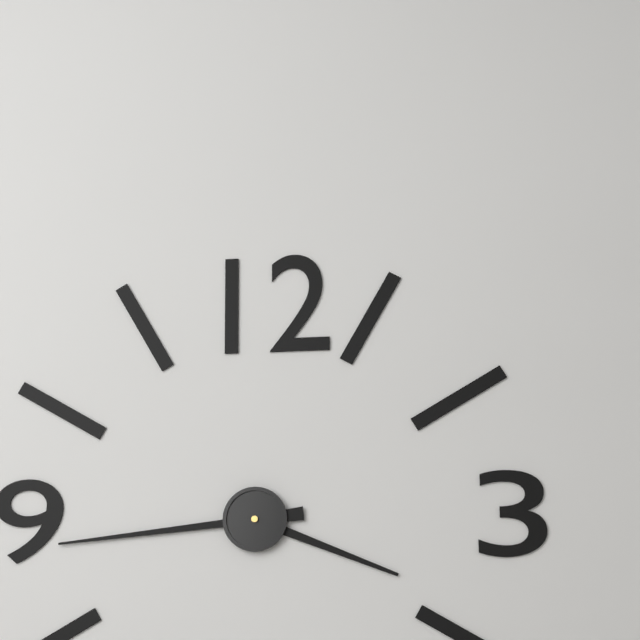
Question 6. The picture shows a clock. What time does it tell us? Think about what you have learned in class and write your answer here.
3:44
